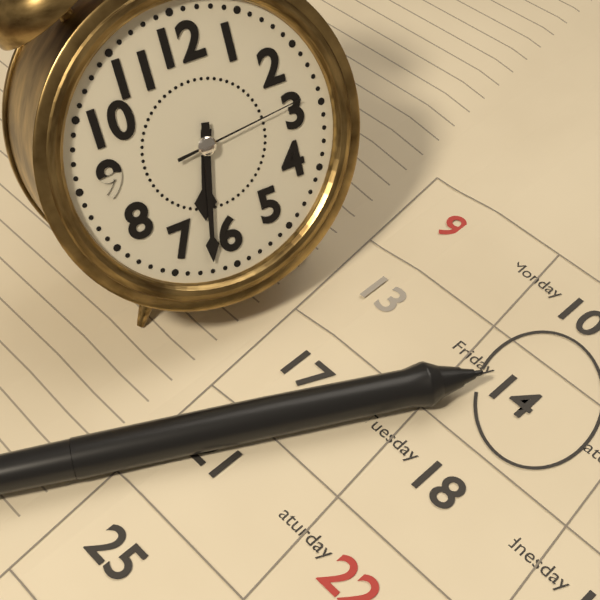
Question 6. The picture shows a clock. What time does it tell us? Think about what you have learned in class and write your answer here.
6:32:14
